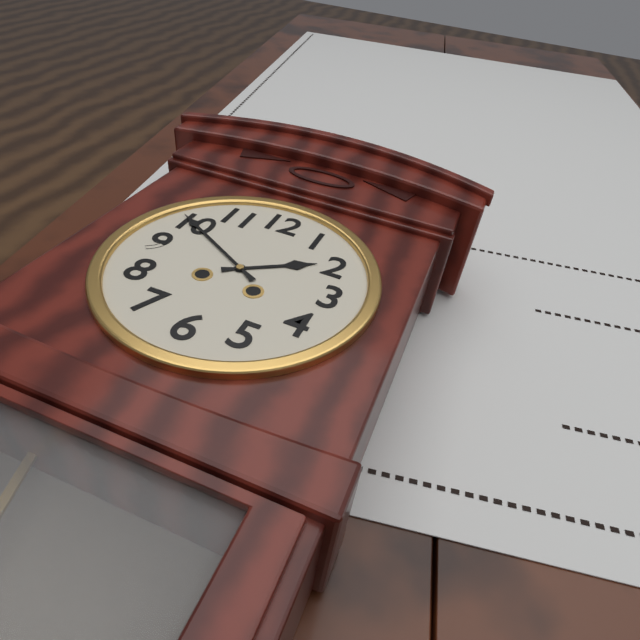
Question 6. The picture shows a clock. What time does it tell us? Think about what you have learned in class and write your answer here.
1:50
